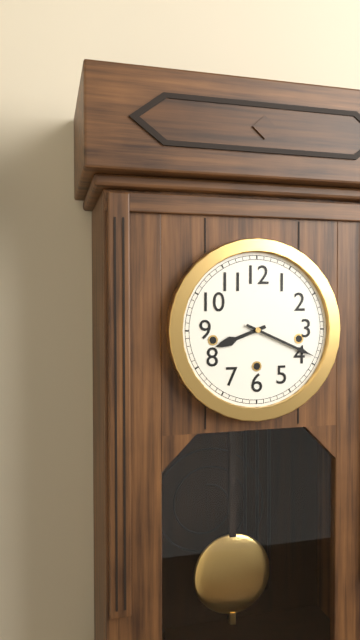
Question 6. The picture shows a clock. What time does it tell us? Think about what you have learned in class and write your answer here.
8:19
